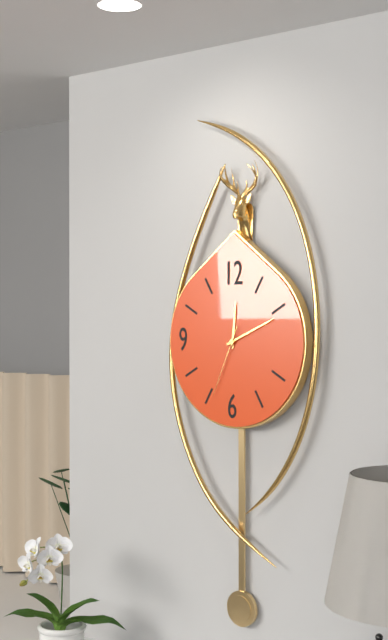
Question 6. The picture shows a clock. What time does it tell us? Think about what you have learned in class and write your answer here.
12:11:34
